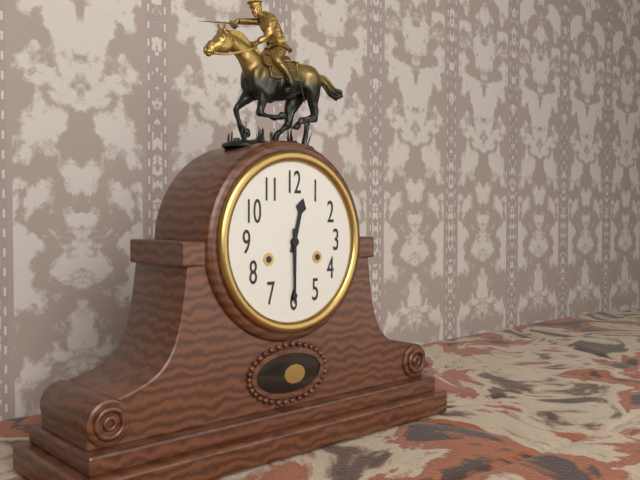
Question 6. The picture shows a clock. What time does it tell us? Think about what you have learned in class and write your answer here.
12:30
